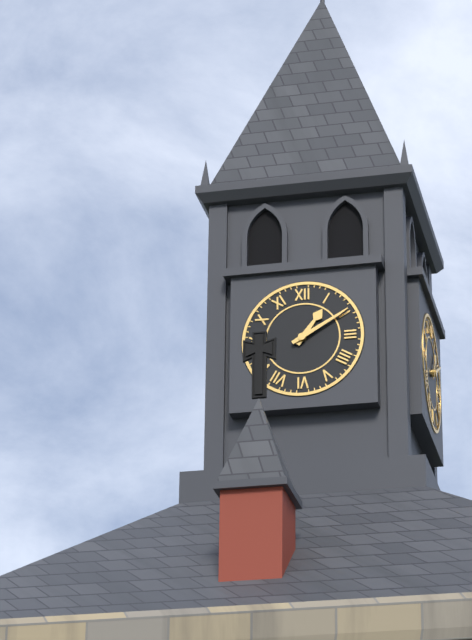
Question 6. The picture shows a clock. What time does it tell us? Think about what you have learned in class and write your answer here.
1:10
